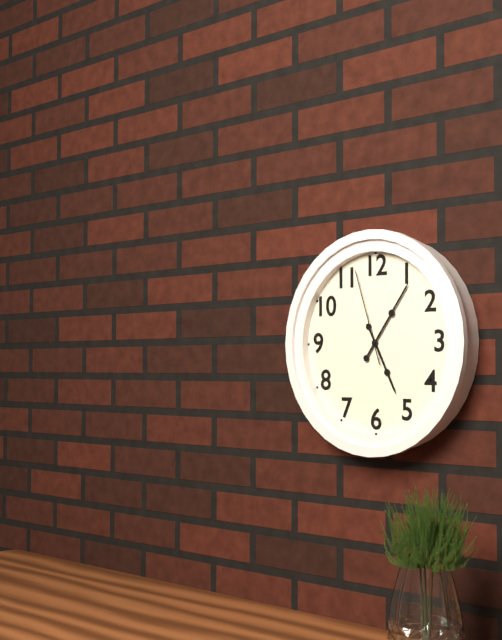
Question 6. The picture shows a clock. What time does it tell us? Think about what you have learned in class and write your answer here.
5:06:57
